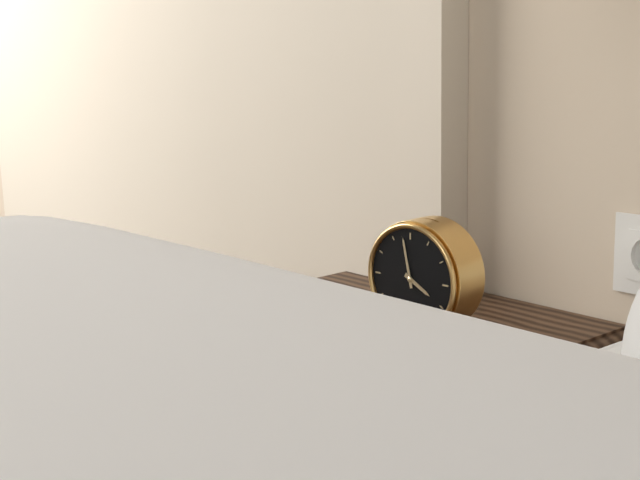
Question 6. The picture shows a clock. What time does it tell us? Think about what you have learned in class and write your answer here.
3:58
